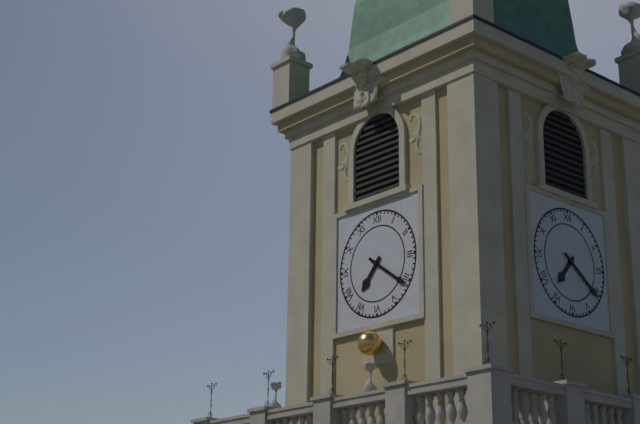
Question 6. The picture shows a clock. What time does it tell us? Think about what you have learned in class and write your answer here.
7:21
